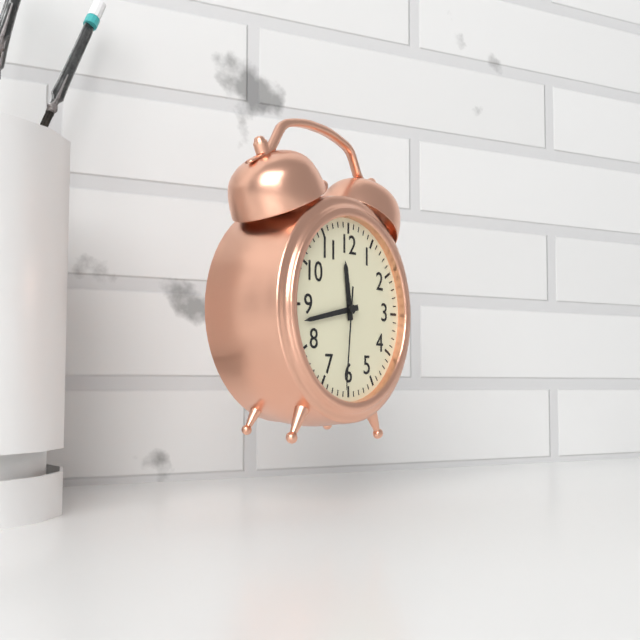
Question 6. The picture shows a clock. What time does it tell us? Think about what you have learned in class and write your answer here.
11:43:31
